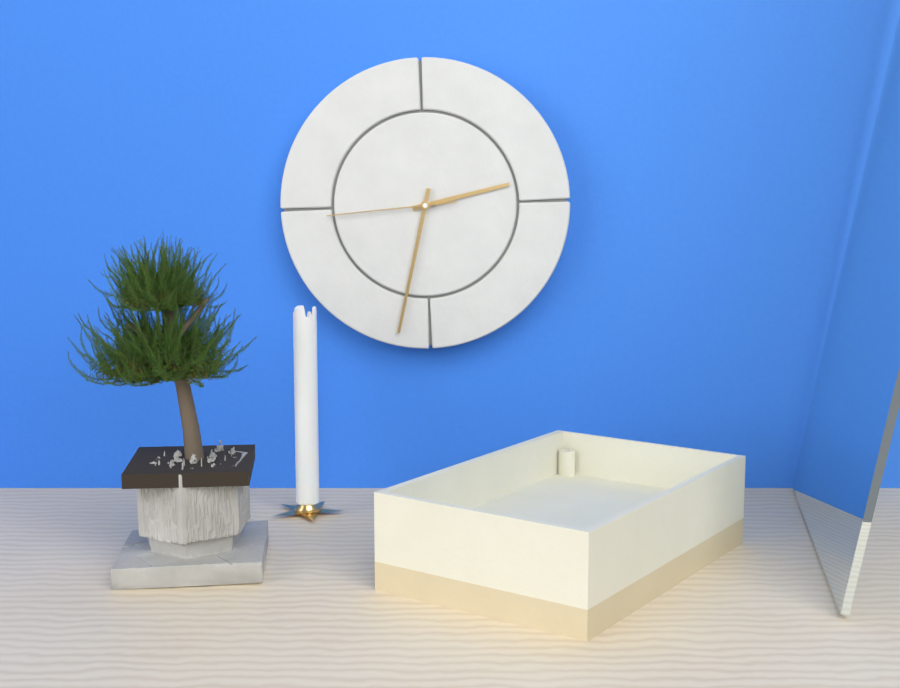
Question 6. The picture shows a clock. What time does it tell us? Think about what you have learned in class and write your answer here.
2:32:44
